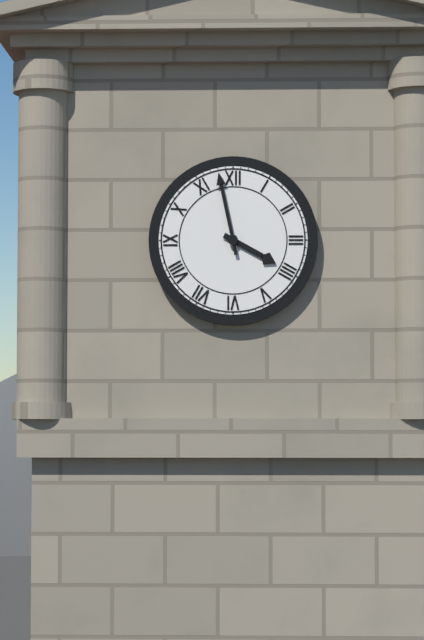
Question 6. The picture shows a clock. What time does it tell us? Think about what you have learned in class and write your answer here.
3:58
